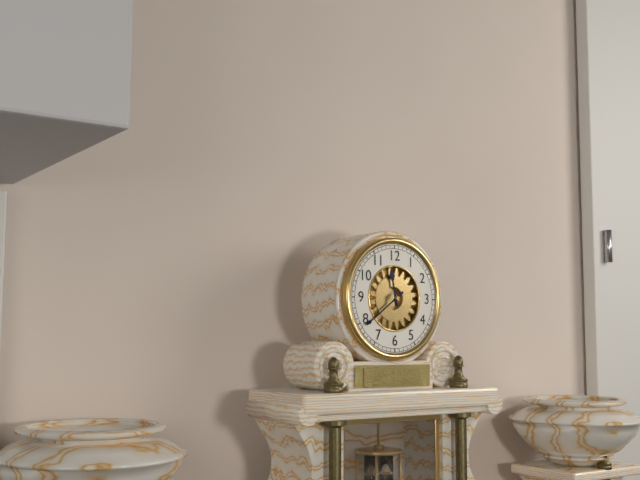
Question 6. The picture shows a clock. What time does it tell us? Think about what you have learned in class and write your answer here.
11:39
